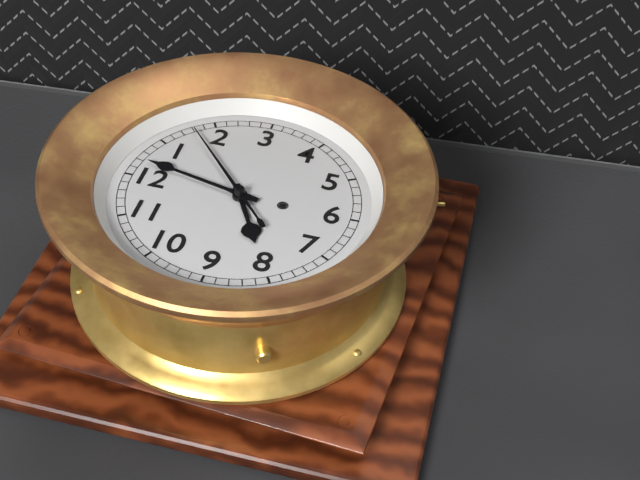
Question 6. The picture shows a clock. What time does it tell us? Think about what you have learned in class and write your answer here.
8:02:08
